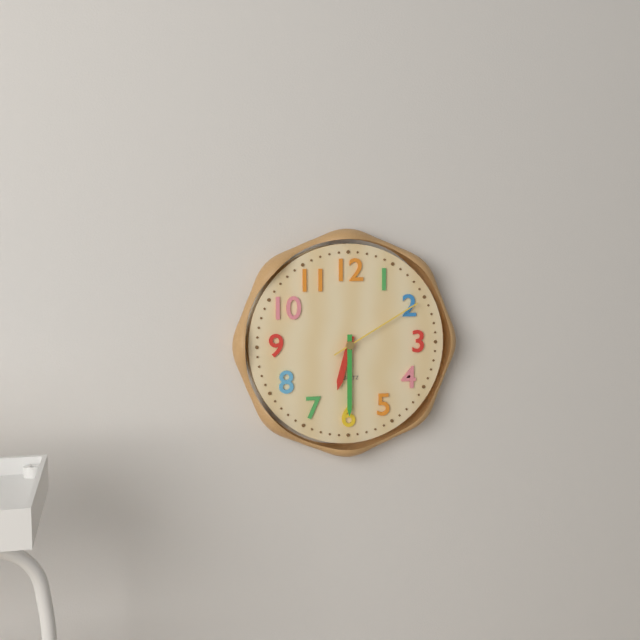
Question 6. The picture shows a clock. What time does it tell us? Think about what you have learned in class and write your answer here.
6:30:10
